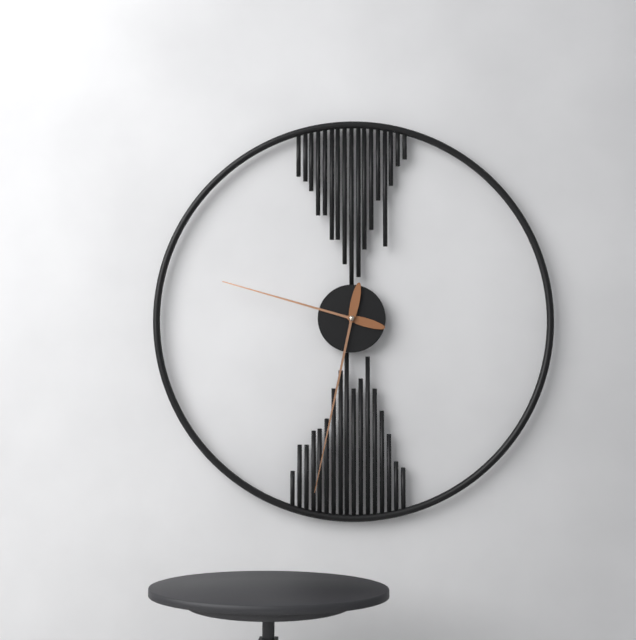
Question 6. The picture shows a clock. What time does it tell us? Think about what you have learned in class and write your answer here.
9:32
